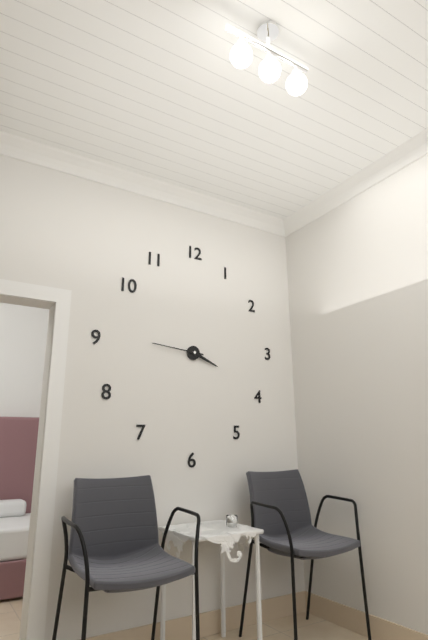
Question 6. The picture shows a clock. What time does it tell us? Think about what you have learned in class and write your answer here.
3:46
